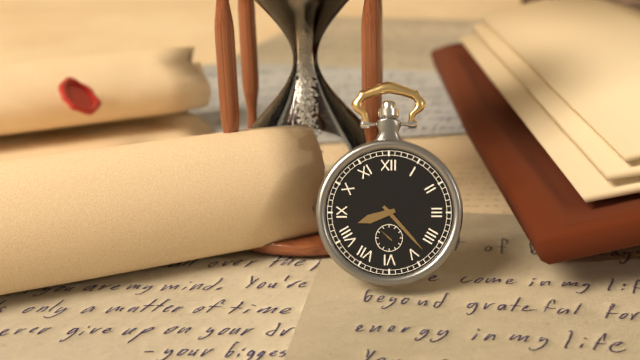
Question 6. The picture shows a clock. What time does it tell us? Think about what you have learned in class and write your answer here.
8:23
